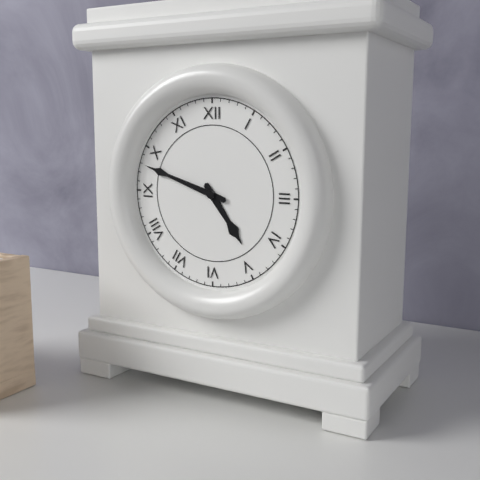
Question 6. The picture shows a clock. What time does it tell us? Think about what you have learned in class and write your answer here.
4:48
